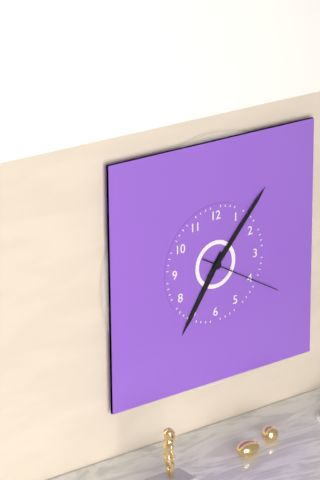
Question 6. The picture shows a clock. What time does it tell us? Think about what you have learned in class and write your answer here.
7:07:20
